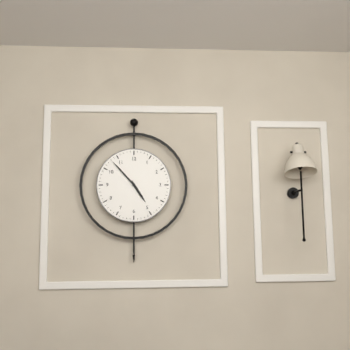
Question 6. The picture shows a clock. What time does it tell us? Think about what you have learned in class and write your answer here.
4:53
